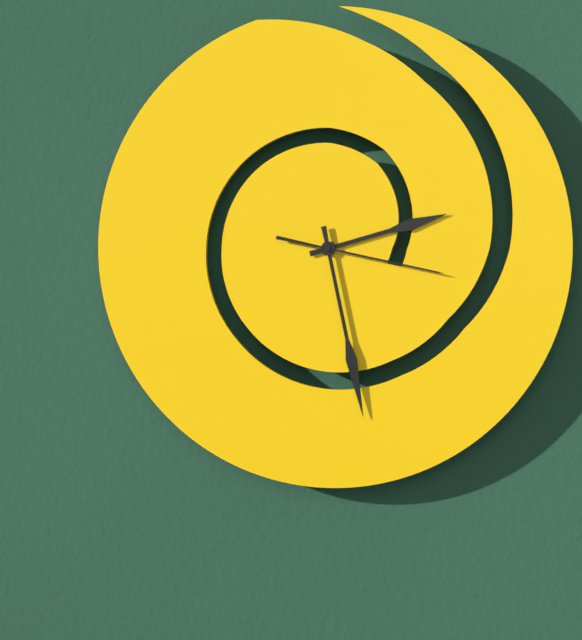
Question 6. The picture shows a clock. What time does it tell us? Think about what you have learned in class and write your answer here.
2:28:17
